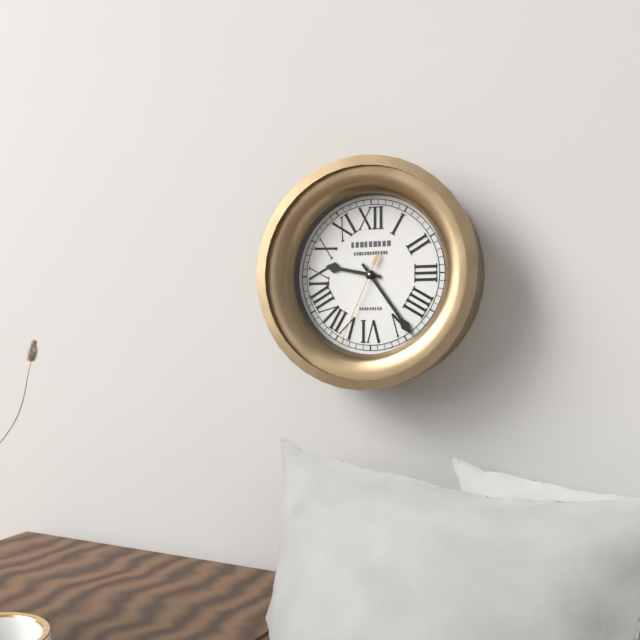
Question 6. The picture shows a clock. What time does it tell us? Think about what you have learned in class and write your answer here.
9:24:34
